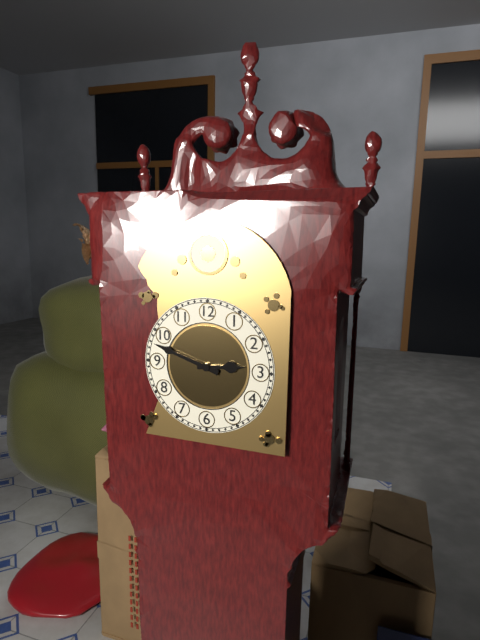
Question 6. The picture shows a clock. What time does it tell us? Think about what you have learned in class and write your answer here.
2:48
